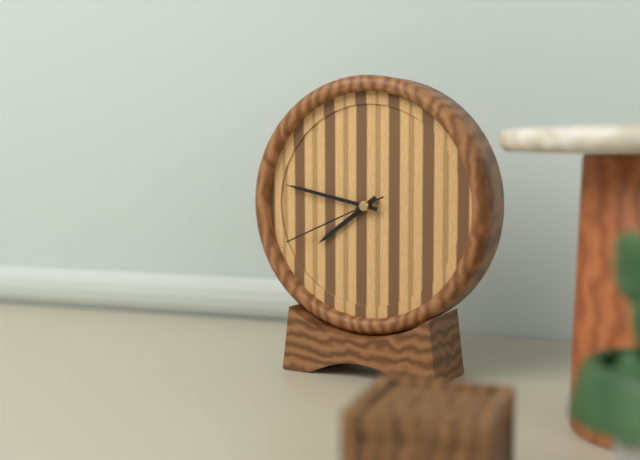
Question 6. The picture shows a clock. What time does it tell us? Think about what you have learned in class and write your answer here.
7:47:41
